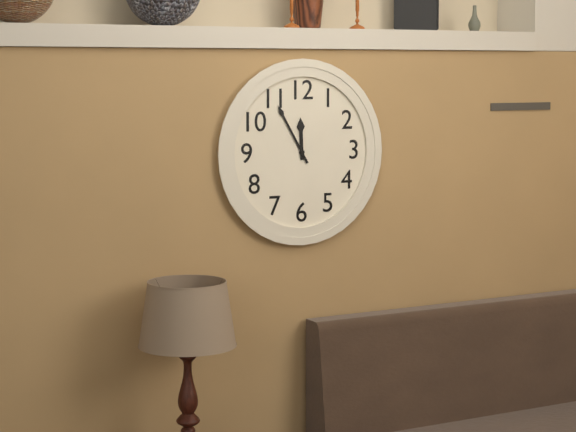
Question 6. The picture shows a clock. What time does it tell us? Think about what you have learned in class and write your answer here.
11:55
